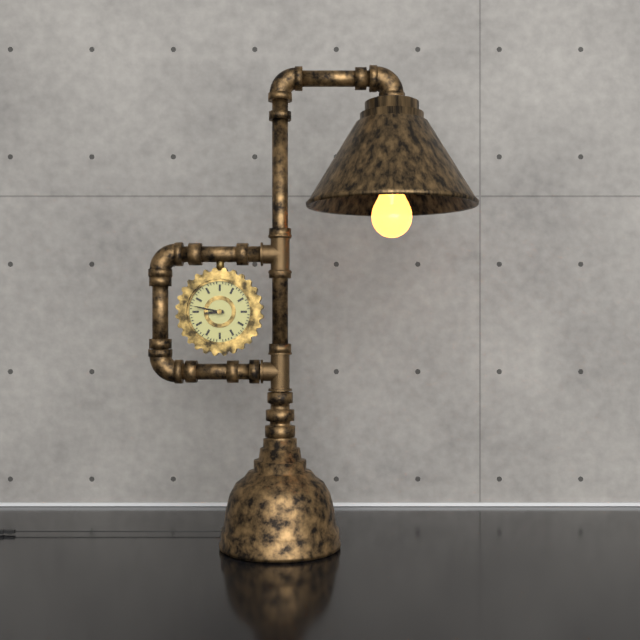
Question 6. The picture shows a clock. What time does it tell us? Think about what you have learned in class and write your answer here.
8:47
